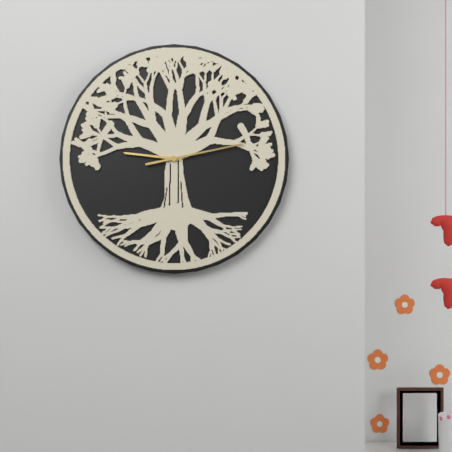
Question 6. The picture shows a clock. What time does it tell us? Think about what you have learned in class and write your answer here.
9:13
